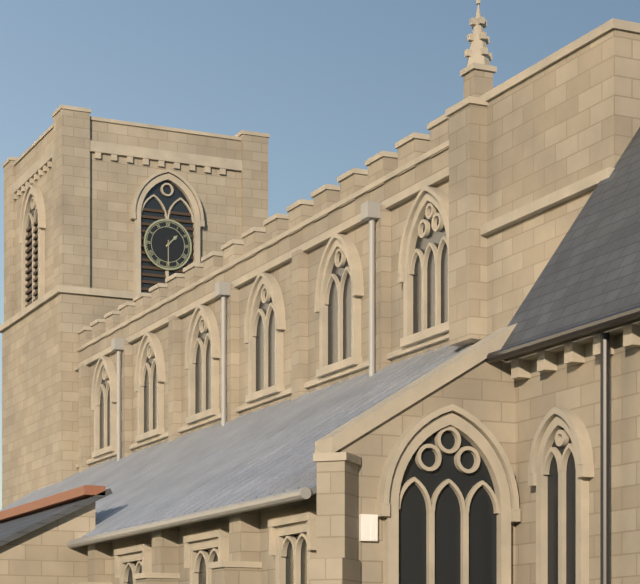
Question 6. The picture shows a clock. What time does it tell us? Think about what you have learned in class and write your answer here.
1:30
